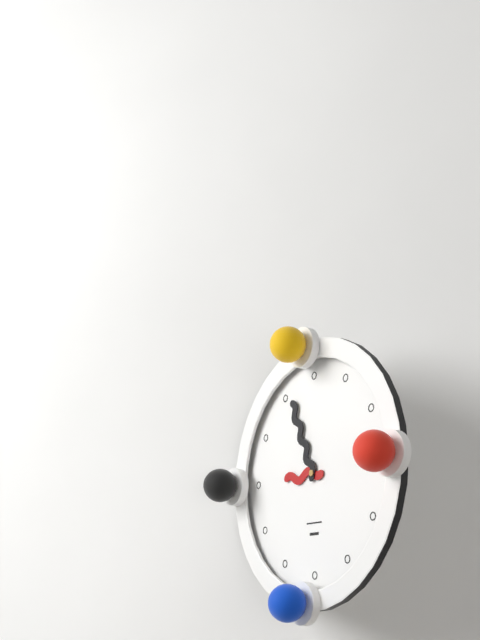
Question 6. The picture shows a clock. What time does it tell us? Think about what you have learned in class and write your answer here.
8:56
